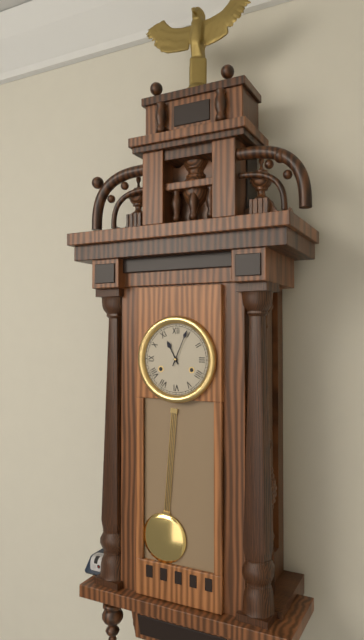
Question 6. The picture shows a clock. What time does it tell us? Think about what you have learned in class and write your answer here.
11:04
